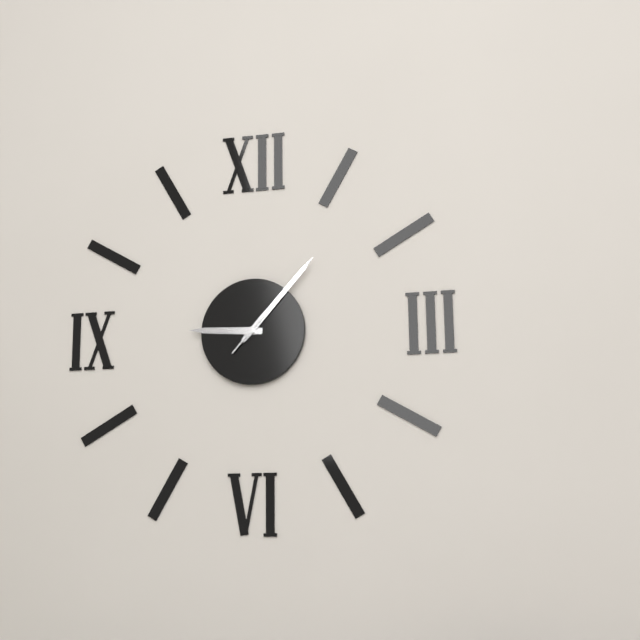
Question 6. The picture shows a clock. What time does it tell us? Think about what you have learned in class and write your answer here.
9:07:07
